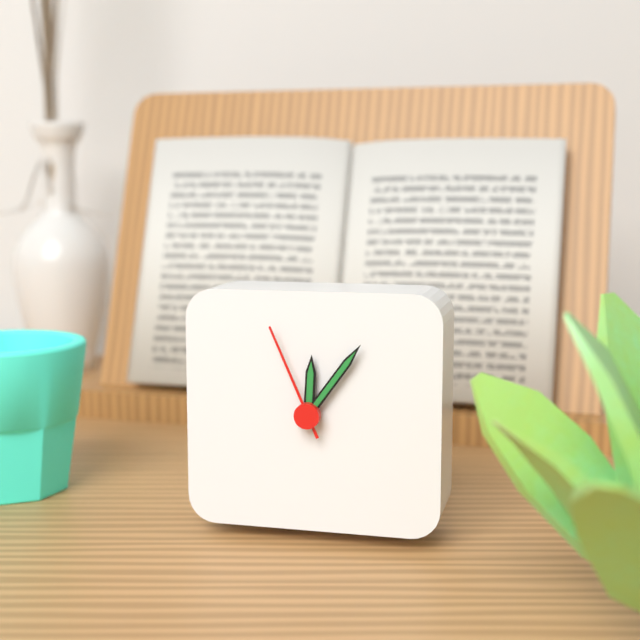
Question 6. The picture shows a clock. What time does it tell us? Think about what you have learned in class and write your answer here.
12:06:56
